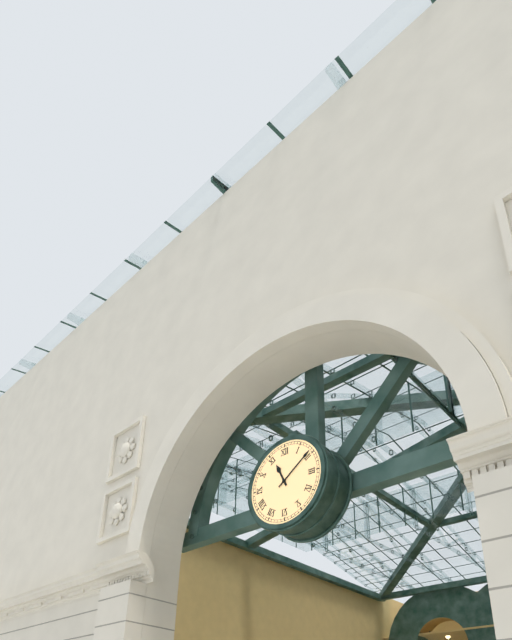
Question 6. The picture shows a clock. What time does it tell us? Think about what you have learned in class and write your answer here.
11:09
